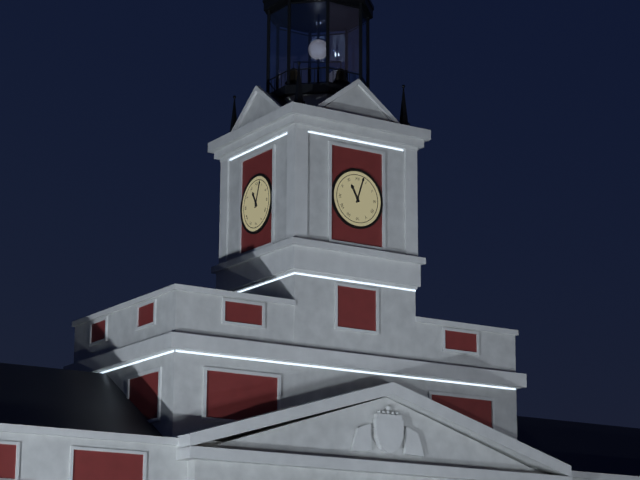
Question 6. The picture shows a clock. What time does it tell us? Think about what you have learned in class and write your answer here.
11:03
